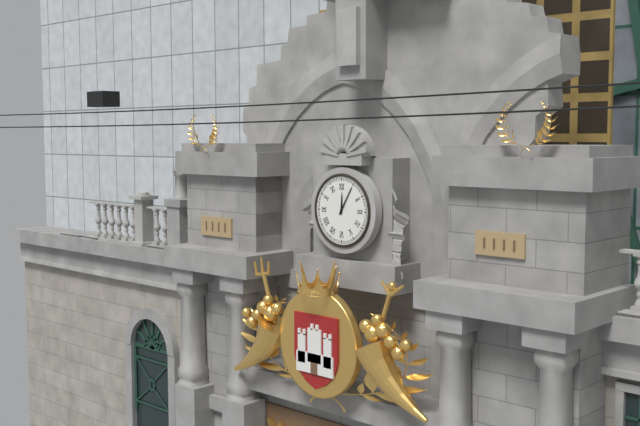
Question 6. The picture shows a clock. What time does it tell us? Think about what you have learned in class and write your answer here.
12:05
